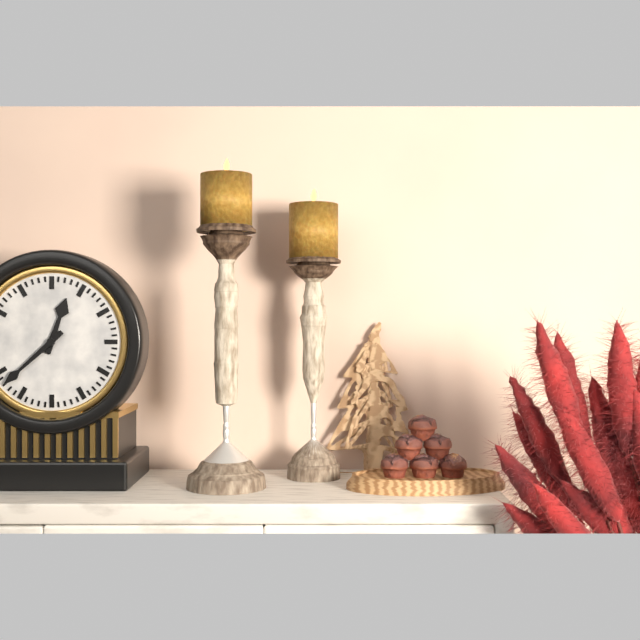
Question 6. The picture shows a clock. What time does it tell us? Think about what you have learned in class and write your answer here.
12:38
